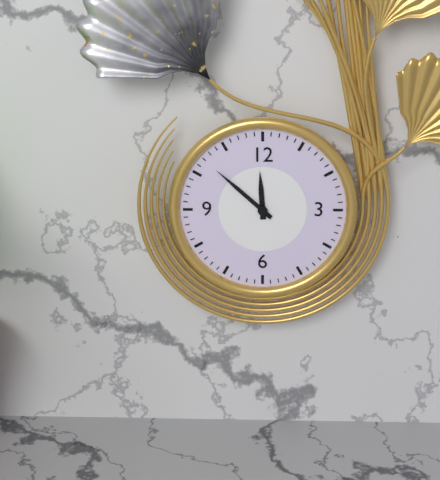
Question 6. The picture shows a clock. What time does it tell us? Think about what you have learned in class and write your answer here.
11:52
